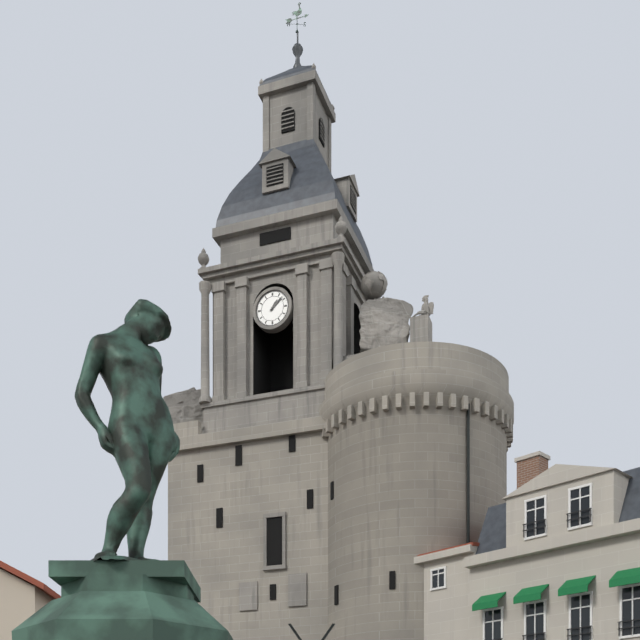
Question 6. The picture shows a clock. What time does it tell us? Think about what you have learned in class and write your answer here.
1:08
